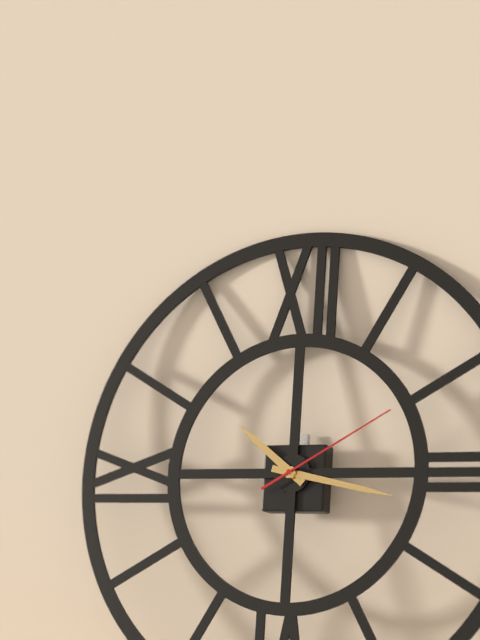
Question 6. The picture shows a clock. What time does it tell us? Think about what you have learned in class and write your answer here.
10:17:10
